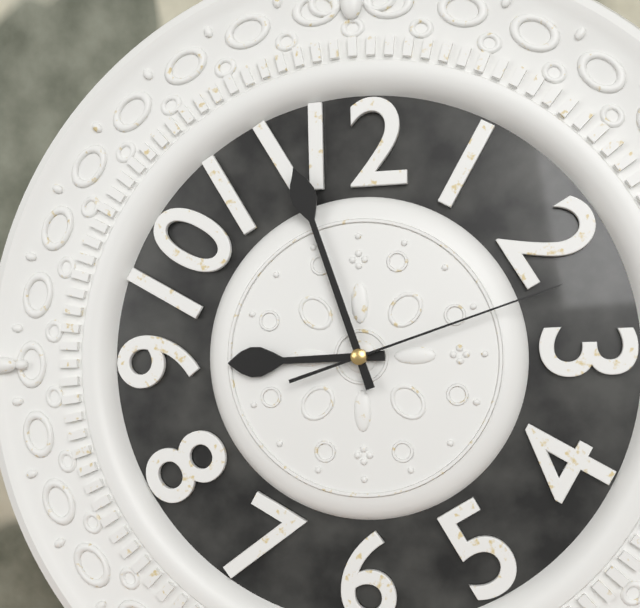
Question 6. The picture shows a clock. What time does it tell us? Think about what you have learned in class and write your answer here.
8:57:12
